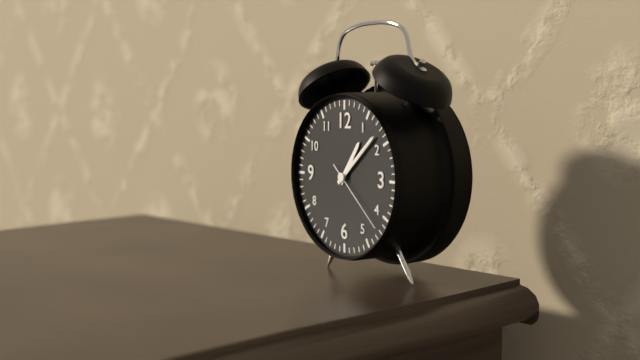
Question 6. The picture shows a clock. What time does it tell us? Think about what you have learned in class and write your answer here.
1:08:22
